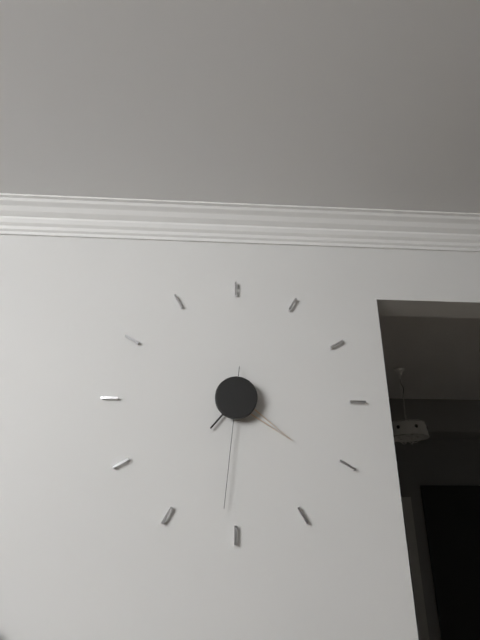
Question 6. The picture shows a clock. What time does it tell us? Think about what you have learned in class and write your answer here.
7:21:31
